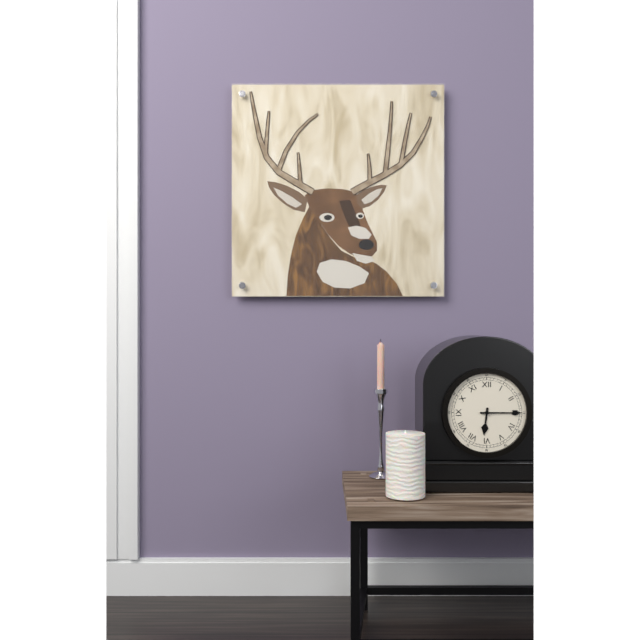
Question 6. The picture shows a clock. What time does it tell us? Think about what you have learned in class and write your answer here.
6:15
